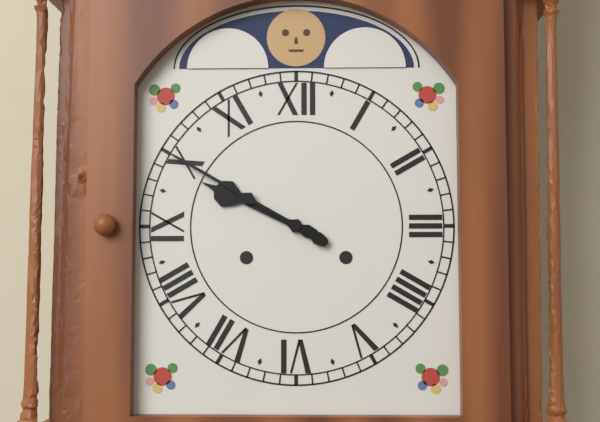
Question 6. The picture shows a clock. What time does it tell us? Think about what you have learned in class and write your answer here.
9:50
